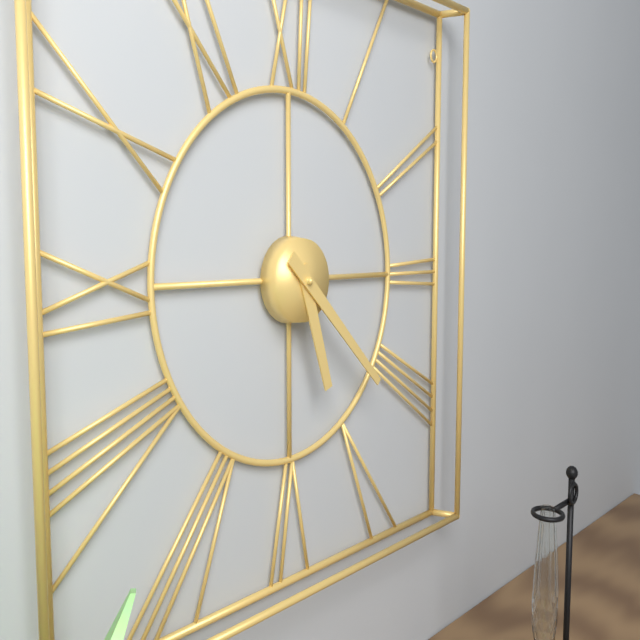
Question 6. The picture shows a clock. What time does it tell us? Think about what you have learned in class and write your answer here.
5:22
